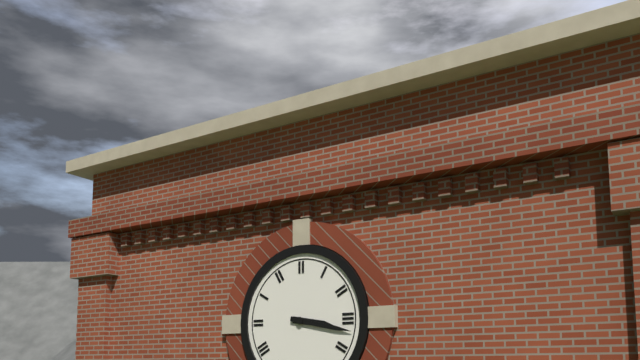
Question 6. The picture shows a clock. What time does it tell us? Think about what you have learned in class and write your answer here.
3:17
